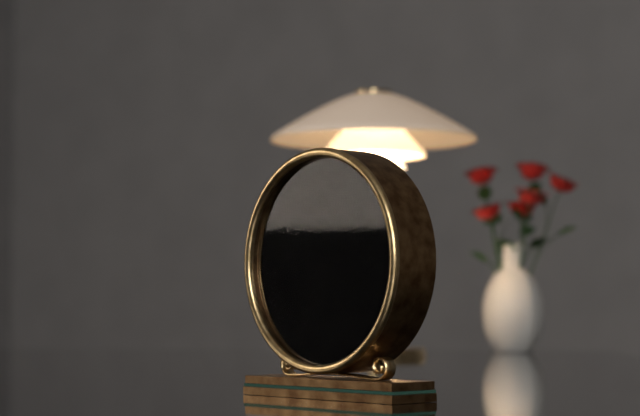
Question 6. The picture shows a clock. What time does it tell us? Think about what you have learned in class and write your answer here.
3:46
